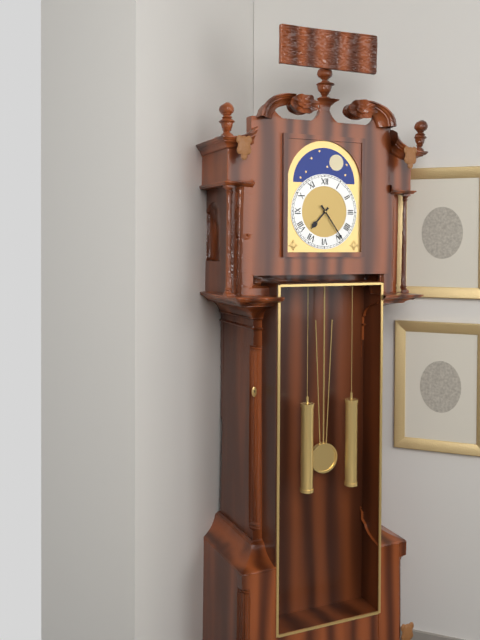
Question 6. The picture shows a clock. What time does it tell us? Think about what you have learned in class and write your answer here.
7:24
